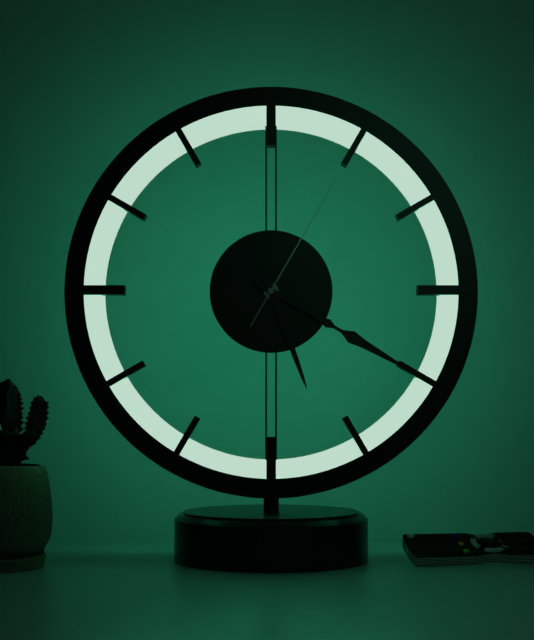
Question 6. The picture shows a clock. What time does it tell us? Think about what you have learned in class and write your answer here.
5:20:05
